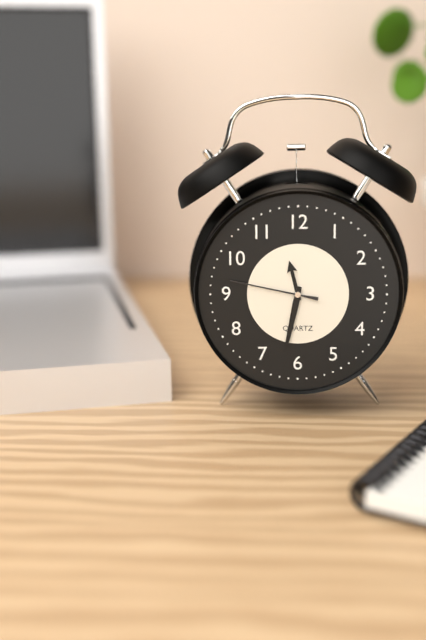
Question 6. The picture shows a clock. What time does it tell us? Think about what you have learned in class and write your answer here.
11:32:47
